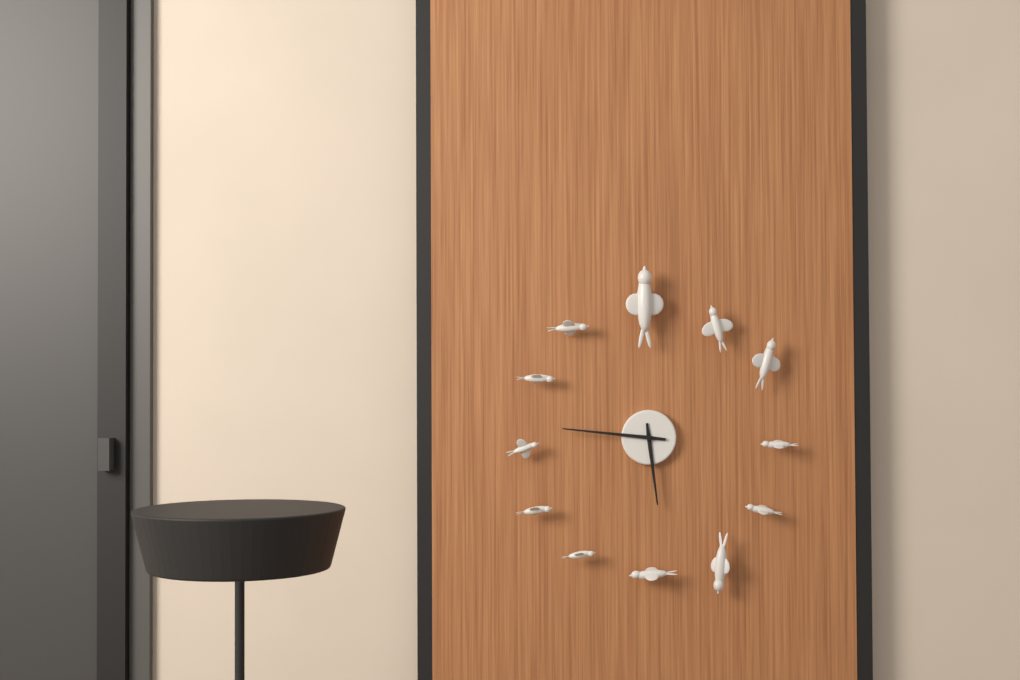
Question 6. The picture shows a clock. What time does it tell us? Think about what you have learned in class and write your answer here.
5:46
